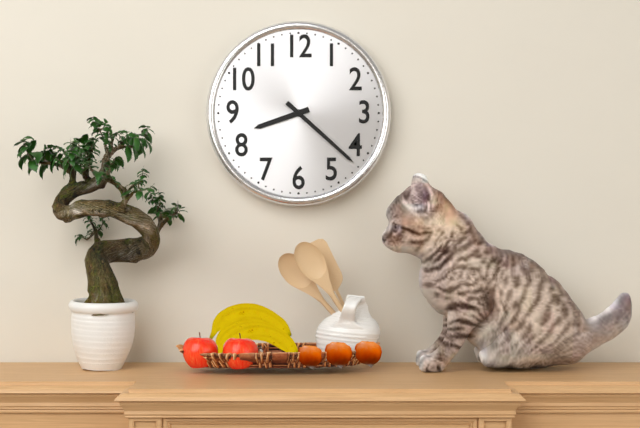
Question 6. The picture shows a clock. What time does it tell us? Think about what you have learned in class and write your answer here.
8:22
